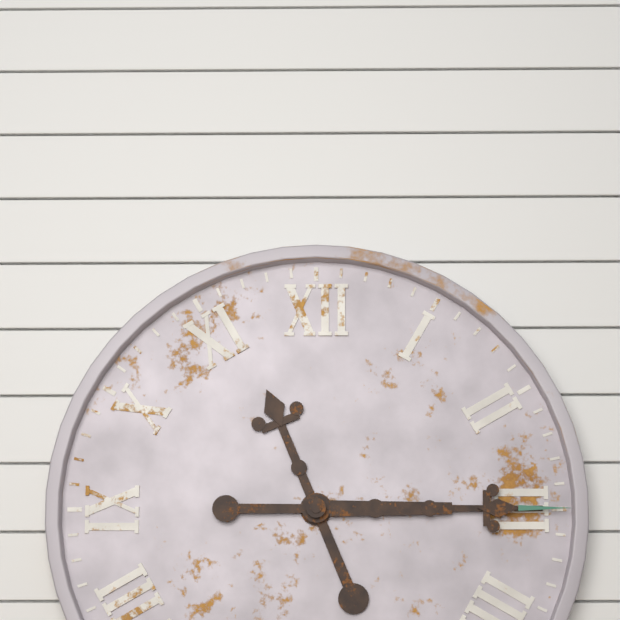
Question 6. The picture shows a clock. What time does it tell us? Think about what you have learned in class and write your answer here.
11:15
